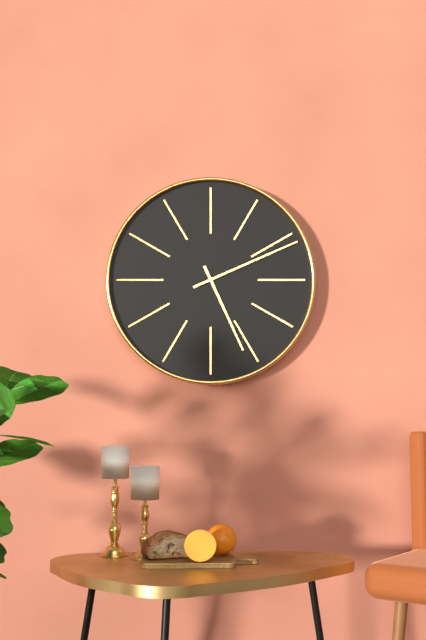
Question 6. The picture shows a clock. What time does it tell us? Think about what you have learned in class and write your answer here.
5:11
